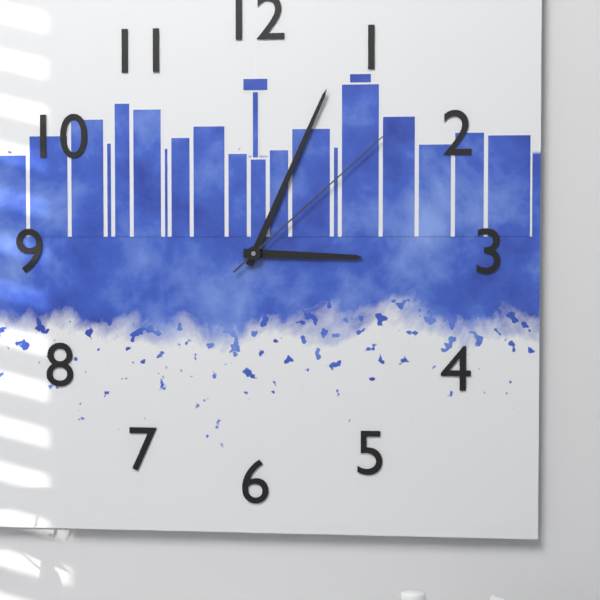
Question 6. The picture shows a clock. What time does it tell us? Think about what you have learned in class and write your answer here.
3:04:08
